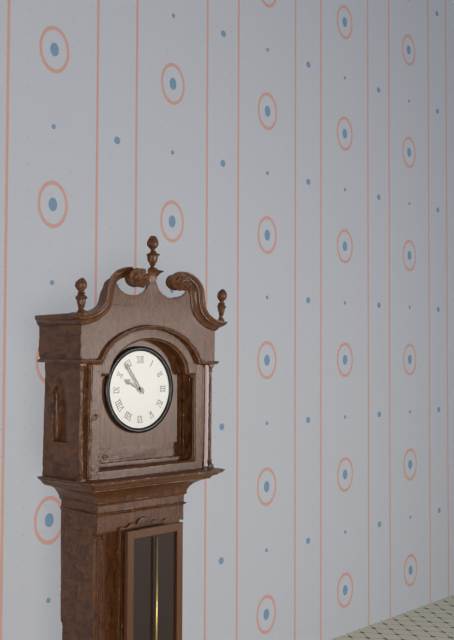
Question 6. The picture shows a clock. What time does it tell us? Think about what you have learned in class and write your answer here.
9:54
